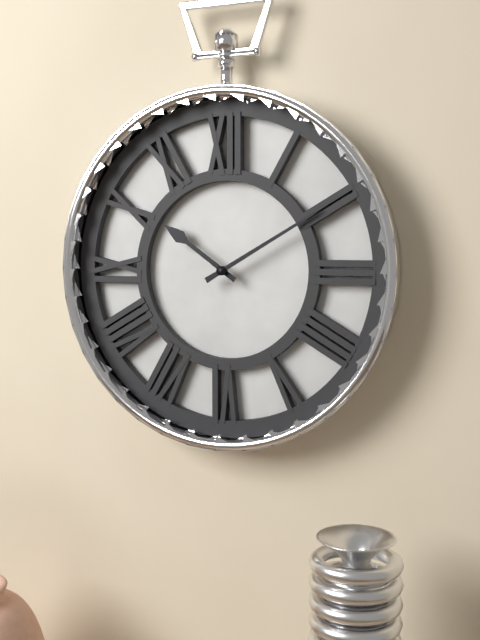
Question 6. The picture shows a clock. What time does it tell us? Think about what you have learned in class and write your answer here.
10:10
